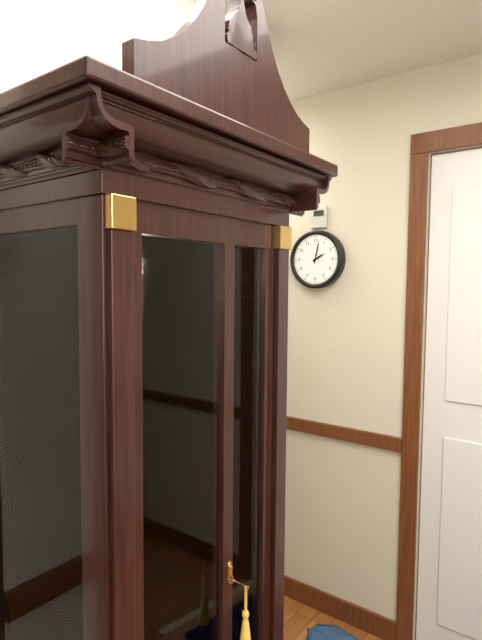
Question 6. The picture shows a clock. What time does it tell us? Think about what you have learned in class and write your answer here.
2:02
